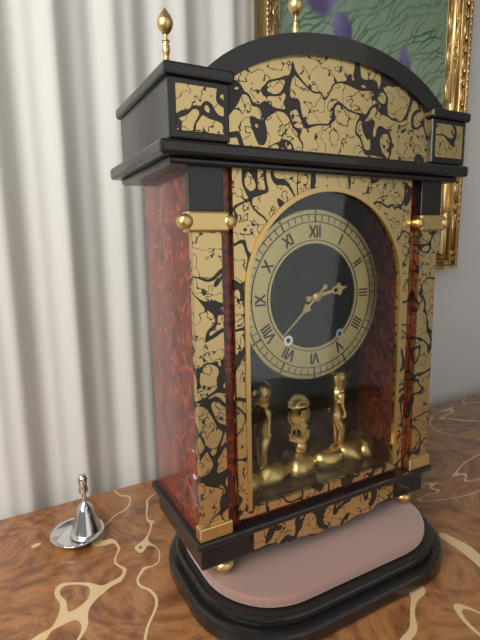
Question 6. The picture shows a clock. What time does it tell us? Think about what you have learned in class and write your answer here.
2:38
